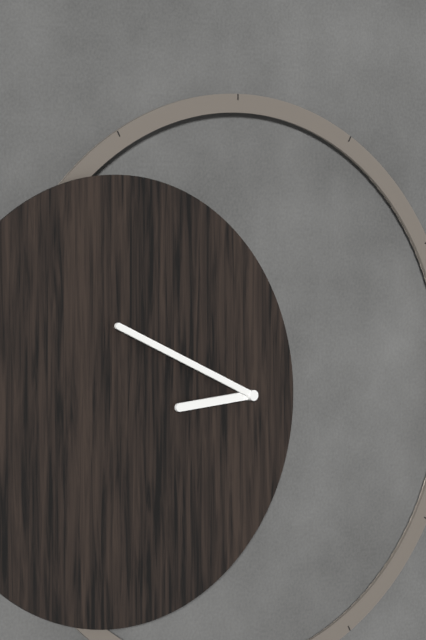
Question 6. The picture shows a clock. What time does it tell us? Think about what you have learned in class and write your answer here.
8:49
